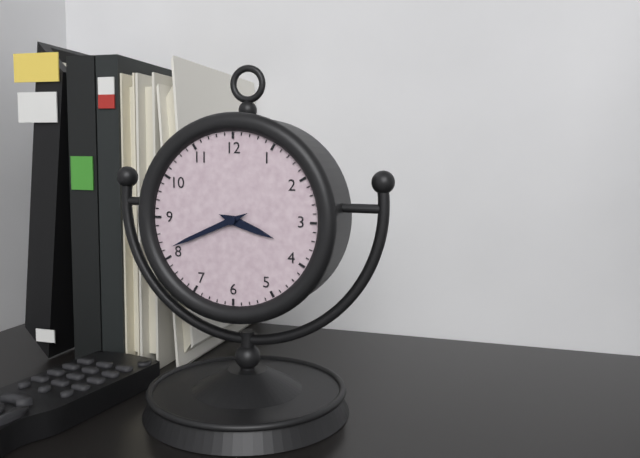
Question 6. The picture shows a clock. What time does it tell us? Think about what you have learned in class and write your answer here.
3:41
